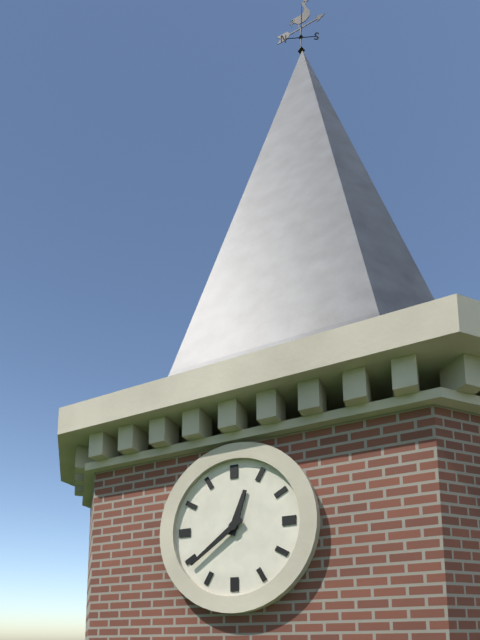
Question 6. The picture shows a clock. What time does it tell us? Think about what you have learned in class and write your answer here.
12:39
